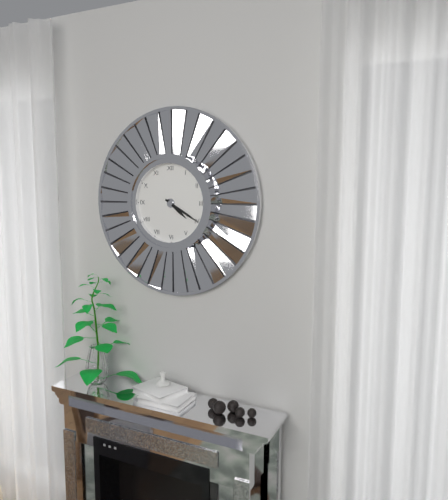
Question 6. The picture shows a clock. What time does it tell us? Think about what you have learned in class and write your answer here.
4:20
